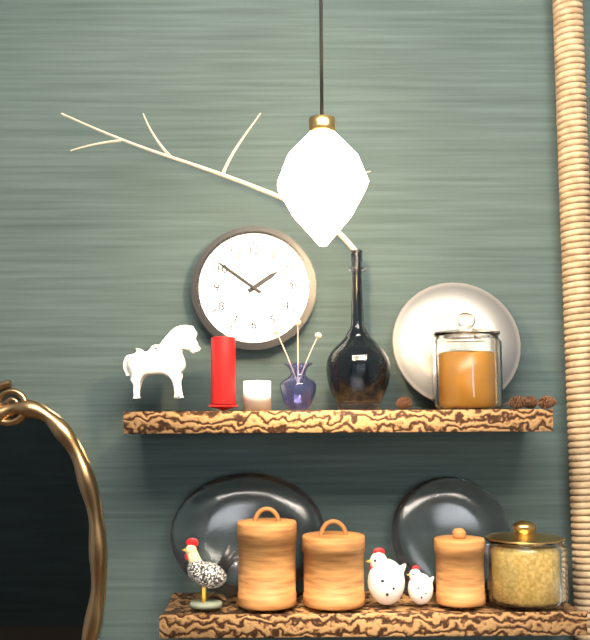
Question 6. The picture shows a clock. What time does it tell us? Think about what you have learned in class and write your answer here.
1:51
